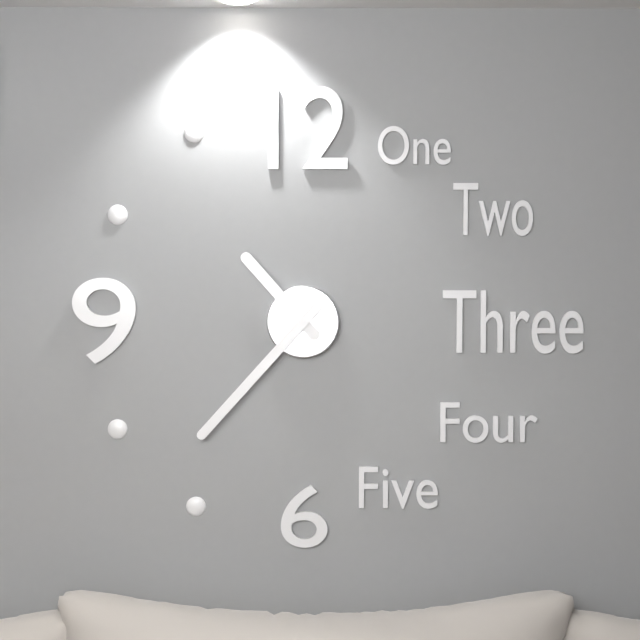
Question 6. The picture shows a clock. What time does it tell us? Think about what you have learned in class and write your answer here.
10:37
